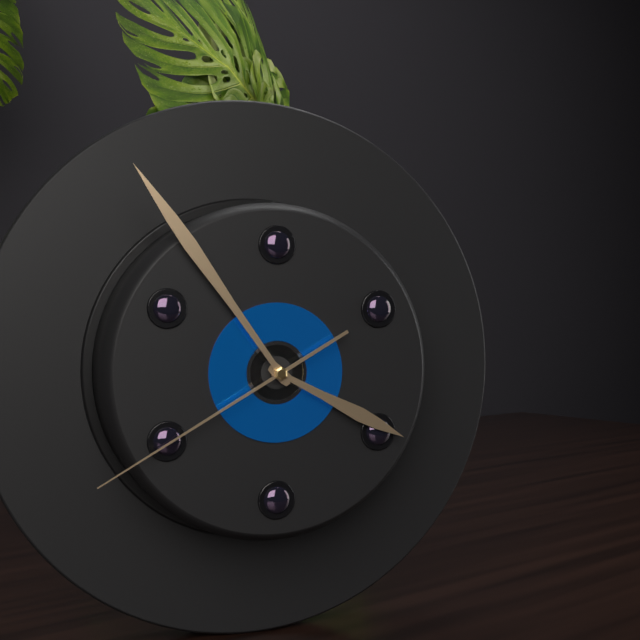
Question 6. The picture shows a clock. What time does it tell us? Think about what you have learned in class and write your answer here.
3:54:40
